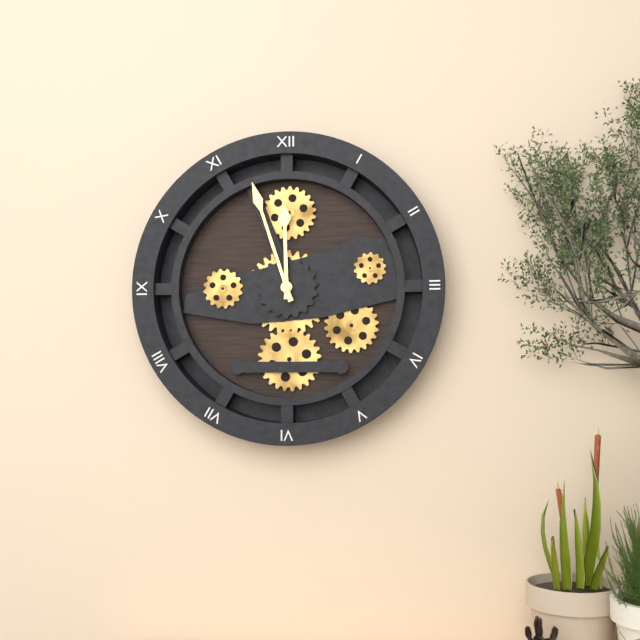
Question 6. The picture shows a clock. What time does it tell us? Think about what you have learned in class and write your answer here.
11:57
